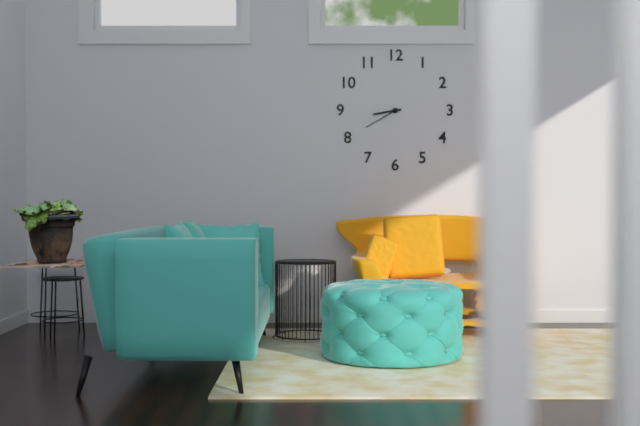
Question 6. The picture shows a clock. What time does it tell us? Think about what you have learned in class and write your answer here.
8:40
